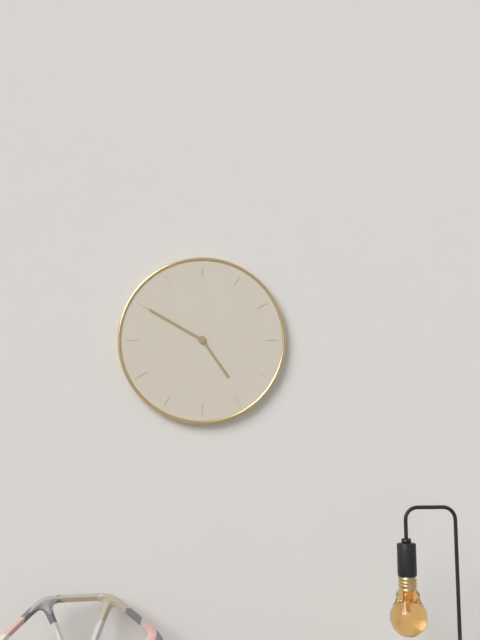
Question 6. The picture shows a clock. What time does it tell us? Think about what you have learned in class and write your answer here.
4:50
